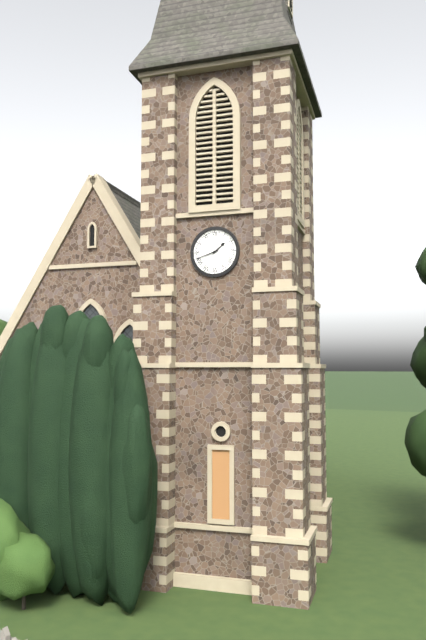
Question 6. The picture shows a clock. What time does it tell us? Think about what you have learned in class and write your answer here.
1:42
